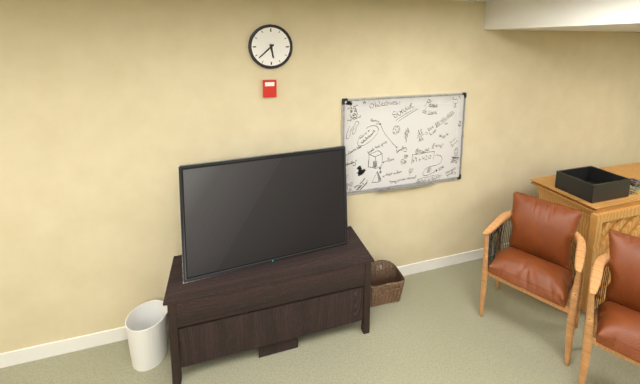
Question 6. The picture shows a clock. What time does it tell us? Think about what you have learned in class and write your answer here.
5:38
